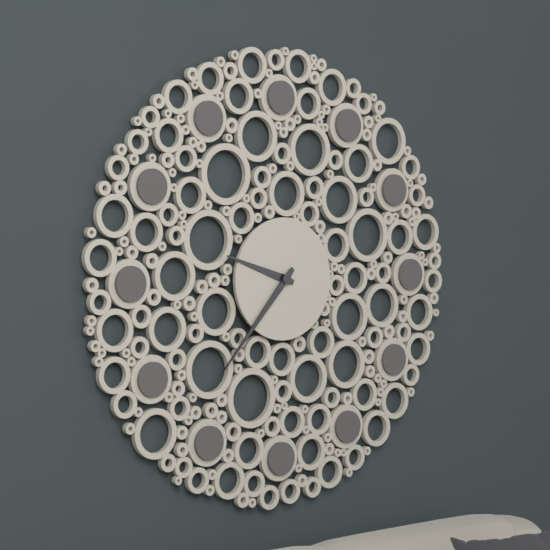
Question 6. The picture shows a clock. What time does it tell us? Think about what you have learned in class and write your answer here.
9:37
